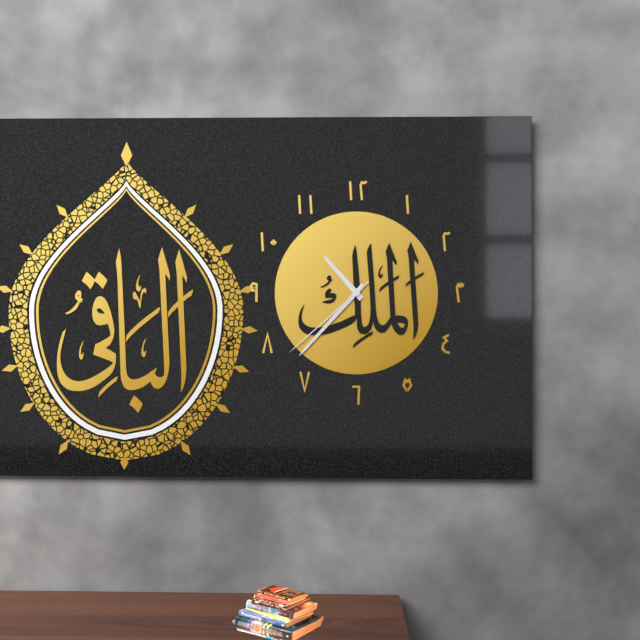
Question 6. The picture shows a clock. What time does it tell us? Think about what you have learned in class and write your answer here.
10:37:38
